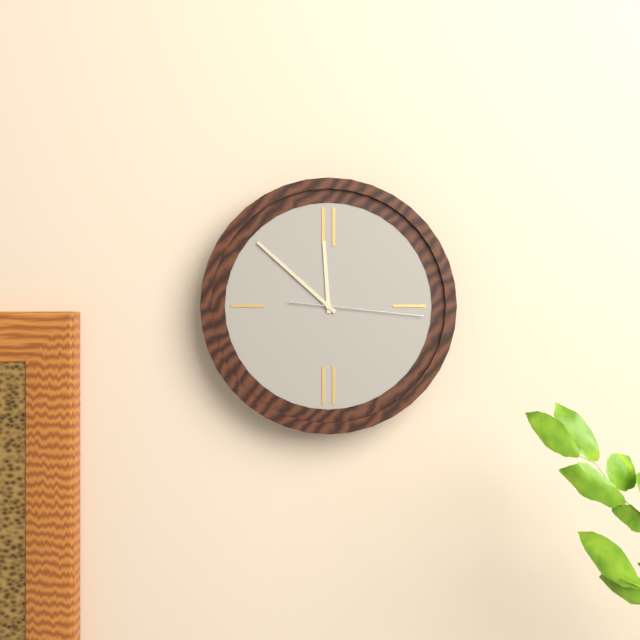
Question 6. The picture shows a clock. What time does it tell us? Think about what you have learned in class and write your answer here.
11:52:16
